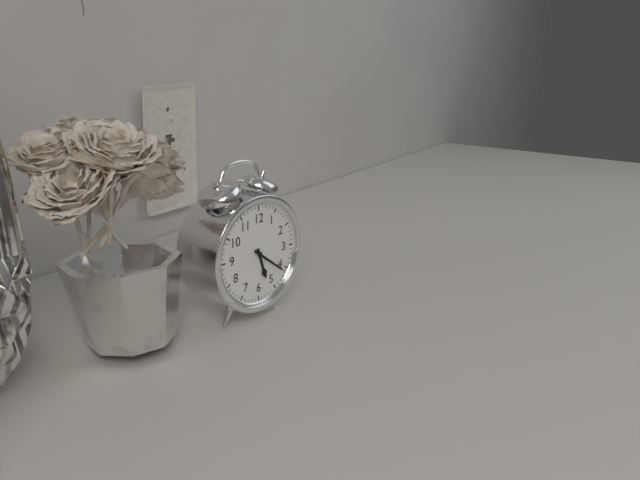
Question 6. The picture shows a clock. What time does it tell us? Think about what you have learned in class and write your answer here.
5:21
